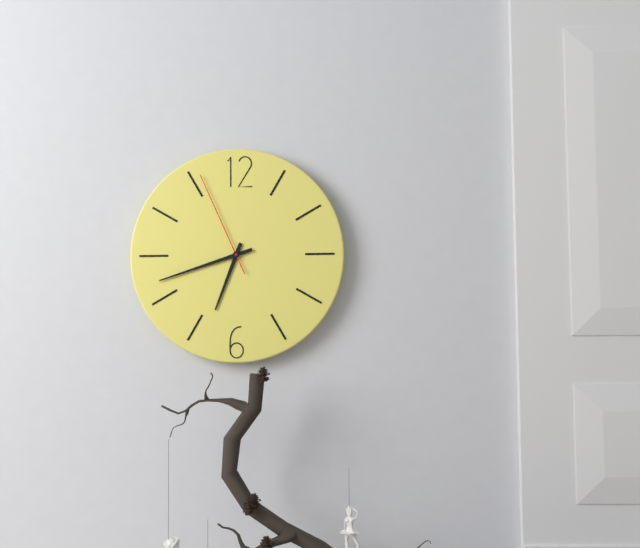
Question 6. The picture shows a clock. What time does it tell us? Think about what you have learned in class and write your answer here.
6:42:56
